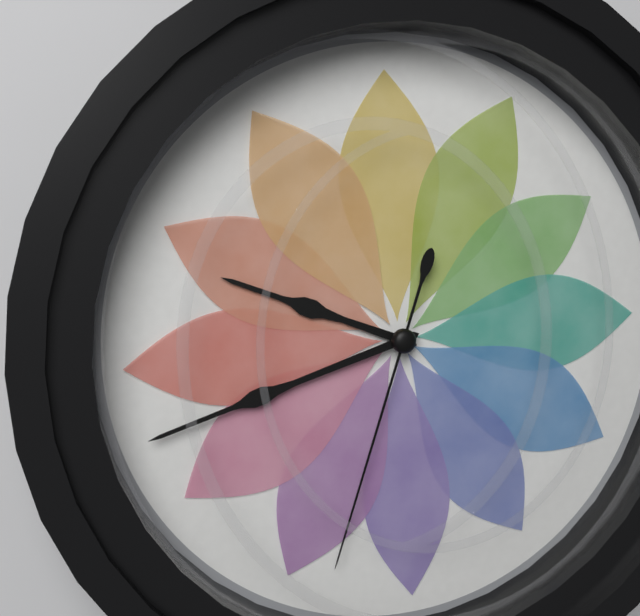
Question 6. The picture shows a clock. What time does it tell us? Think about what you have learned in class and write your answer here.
9:42:33
